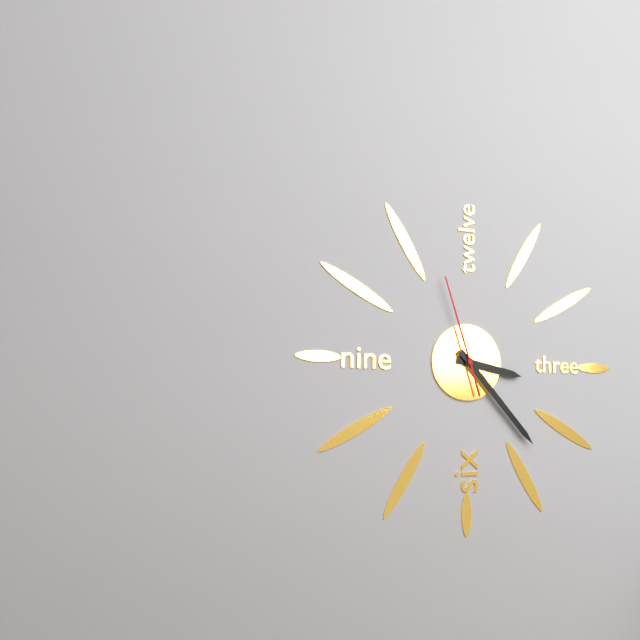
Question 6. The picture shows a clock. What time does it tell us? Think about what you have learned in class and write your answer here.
3:23:57
